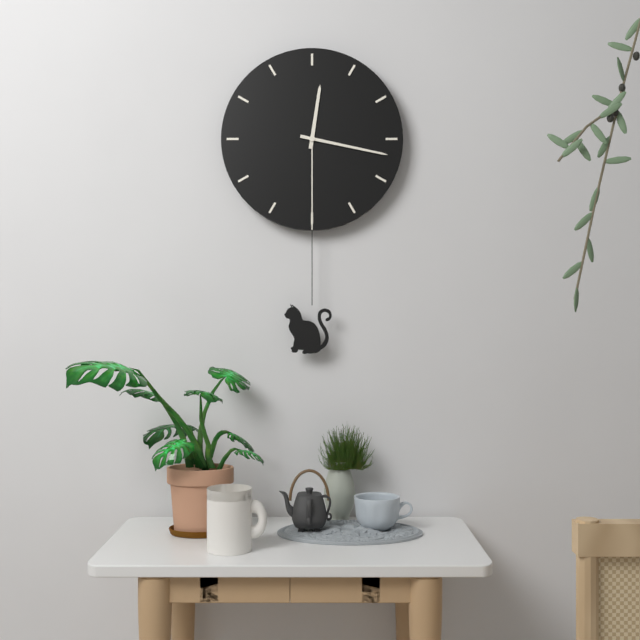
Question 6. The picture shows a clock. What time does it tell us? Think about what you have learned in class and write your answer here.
12:17
